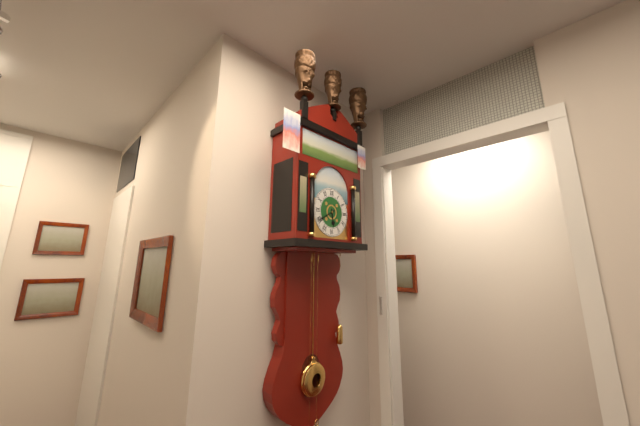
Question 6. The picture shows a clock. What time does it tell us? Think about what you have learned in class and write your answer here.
5:40
